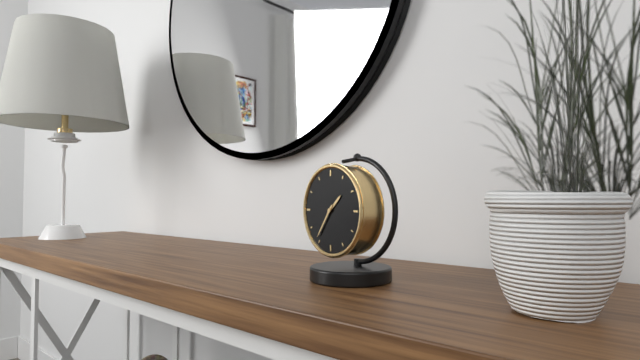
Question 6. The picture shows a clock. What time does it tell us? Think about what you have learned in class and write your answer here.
1:36
